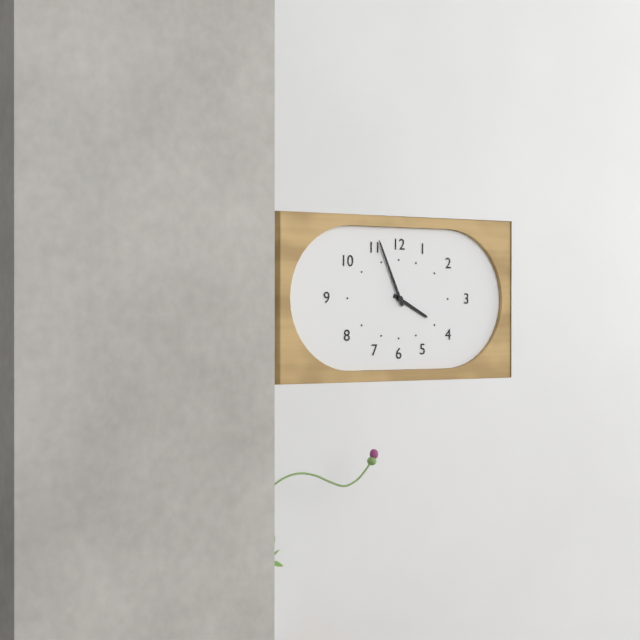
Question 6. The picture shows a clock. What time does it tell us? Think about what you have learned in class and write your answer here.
3:56
